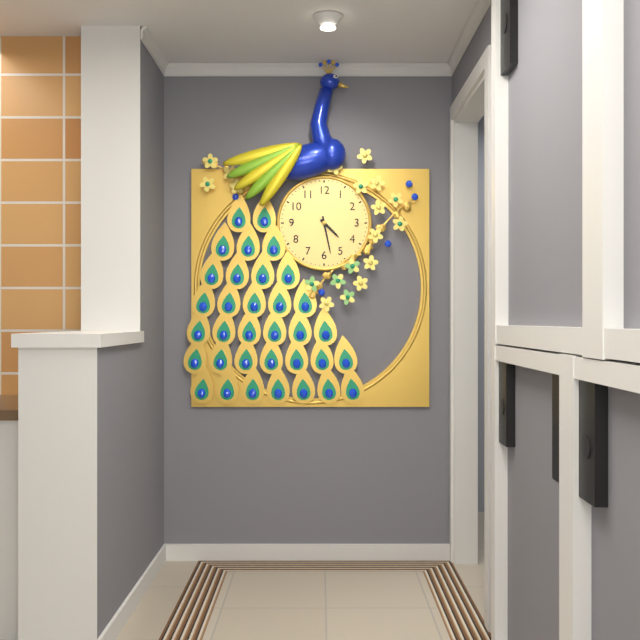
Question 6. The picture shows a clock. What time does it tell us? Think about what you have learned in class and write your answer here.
4:28
